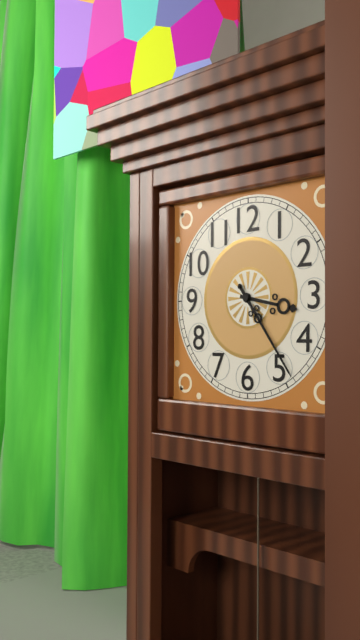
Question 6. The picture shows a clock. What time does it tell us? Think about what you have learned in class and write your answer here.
3:24
